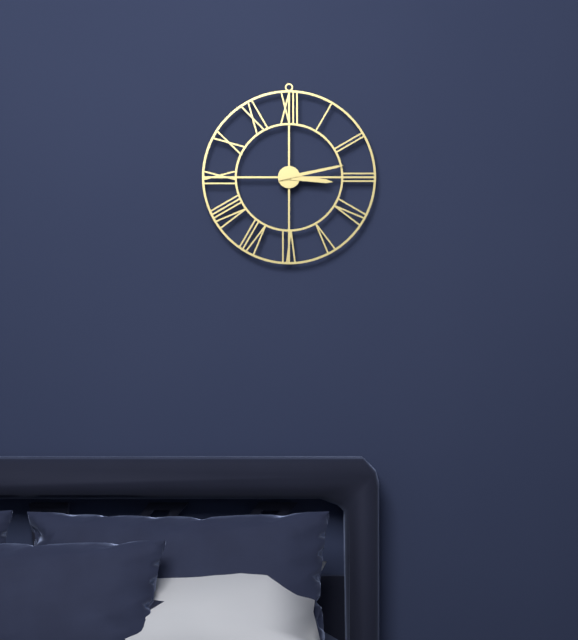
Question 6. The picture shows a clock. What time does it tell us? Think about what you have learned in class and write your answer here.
3:13
